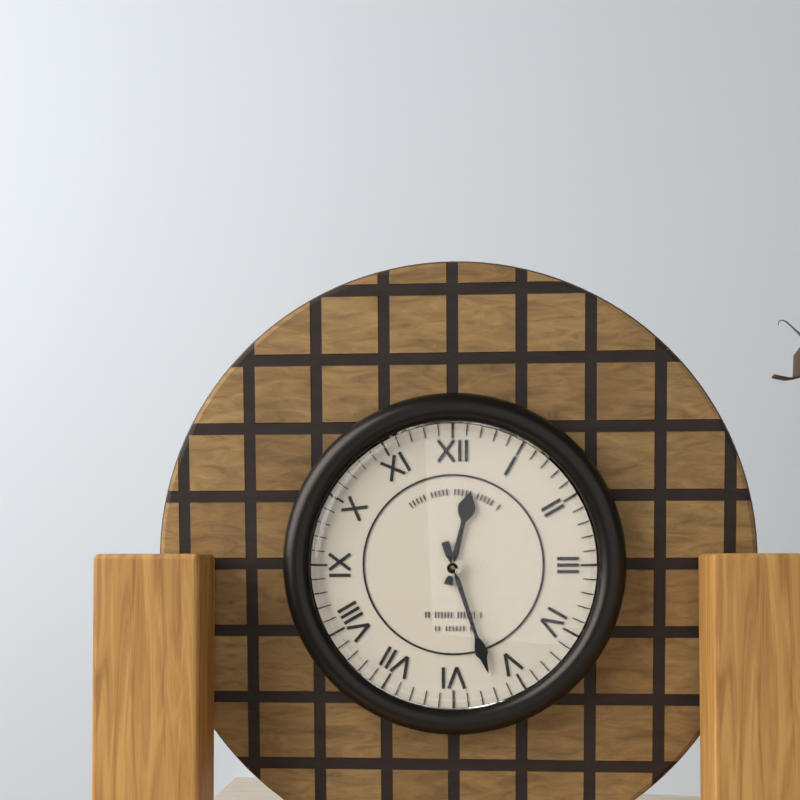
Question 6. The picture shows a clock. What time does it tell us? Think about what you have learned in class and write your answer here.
12:27
